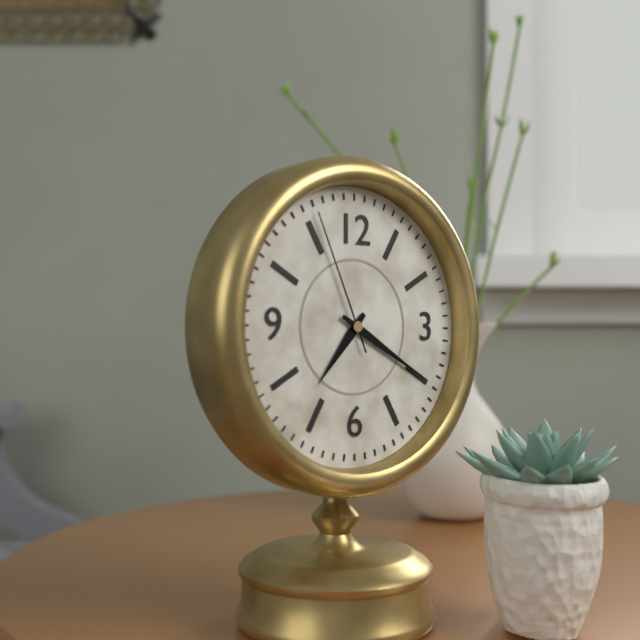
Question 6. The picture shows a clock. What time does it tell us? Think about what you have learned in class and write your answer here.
7:20:56
